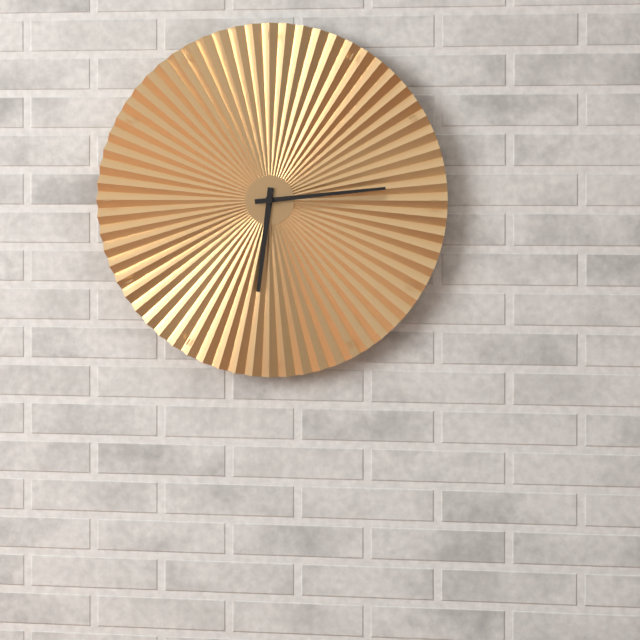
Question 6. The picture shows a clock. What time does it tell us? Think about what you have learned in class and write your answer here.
6:14
